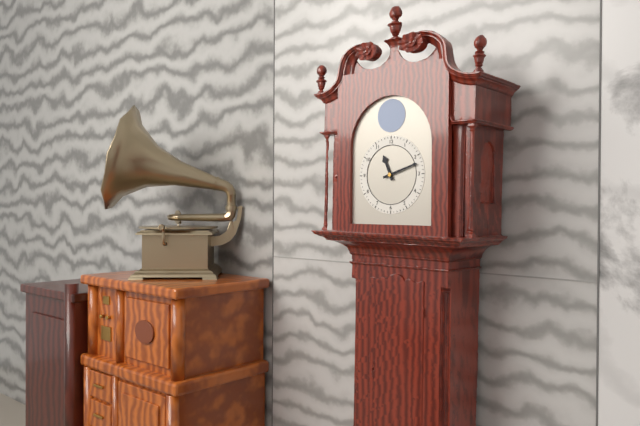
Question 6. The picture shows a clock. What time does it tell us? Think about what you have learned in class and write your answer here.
11:12
